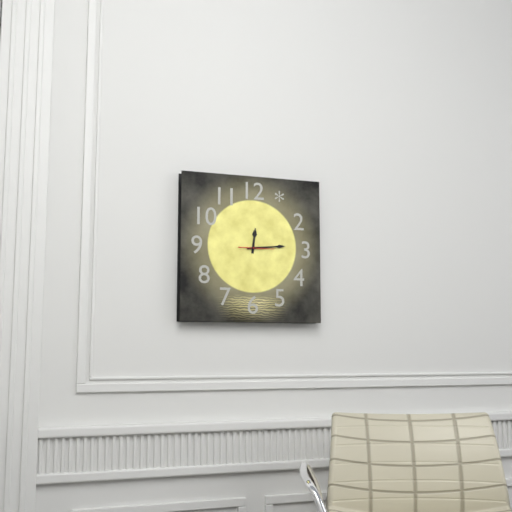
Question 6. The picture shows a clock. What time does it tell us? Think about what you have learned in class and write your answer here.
12:14
